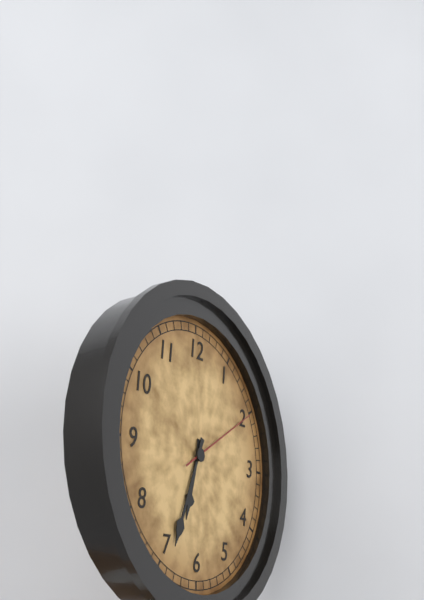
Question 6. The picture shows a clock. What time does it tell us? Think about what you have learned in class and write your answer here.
6:34:10
